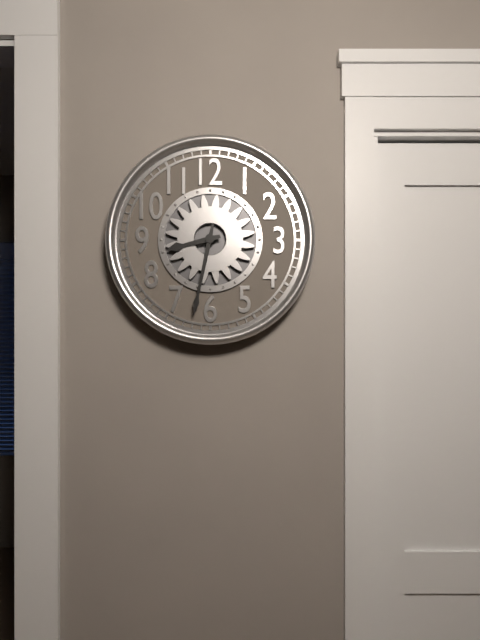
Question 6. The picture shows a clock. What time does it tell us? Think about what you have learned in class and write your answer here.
8:32
